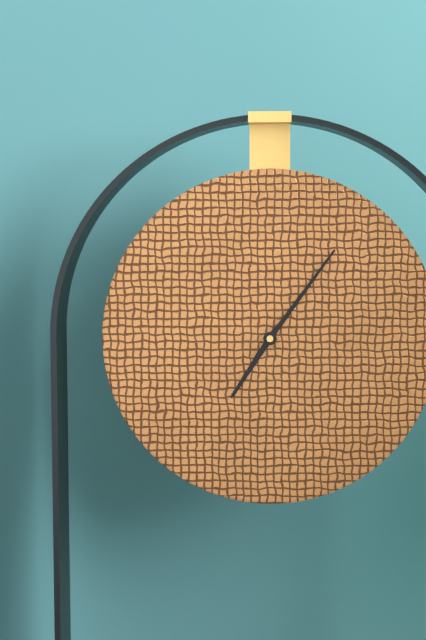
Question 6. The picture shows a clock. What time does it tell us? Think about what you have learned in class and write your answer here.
7:06
